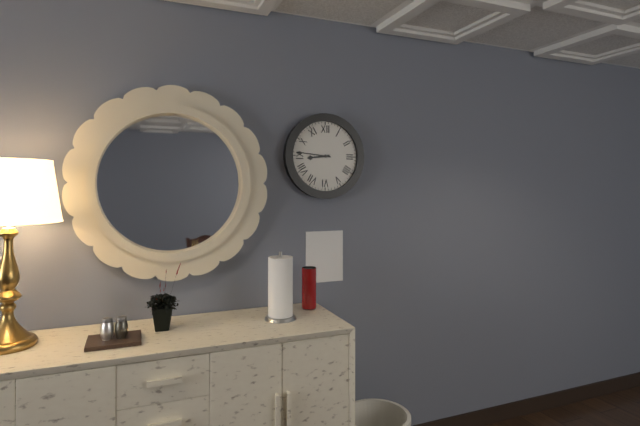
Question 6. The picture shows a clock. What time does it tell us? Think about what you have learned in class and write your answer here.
8:46
